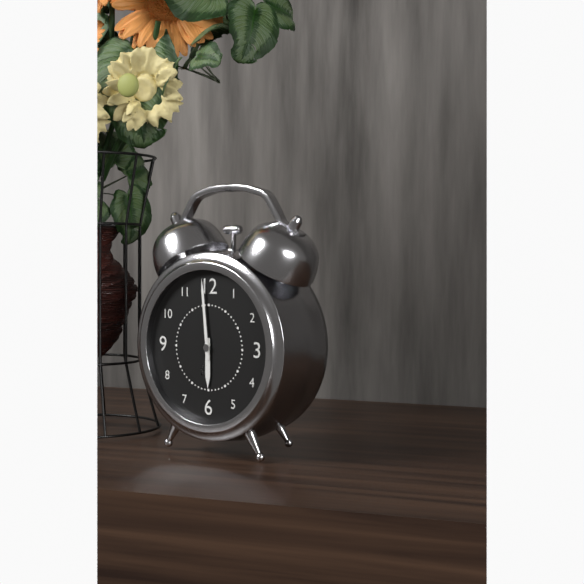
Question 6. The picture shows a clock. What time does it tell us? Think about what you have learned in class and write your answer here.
5:59
